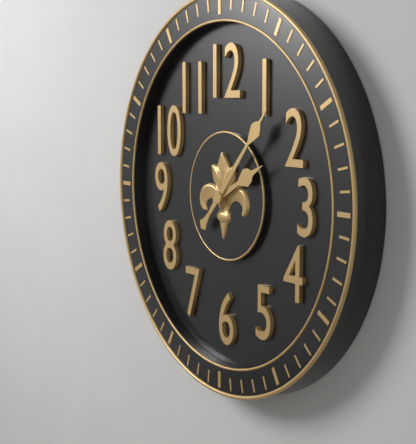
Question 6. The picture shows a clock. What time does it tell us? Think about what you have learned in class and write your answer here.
2:07
